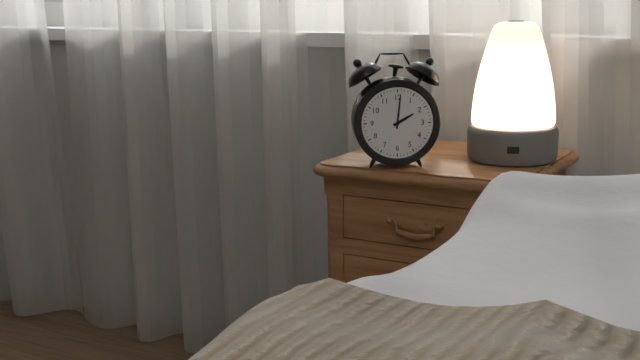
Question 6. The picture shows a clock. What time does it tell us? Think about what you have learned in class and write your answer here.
2:01
